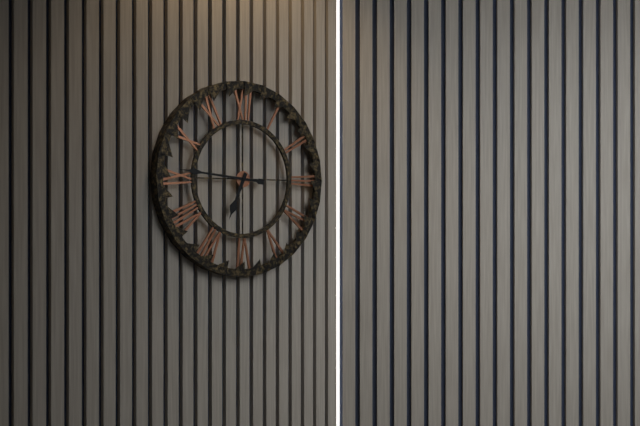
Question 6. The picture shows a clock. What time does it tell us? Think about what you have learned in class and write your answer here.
6:46
